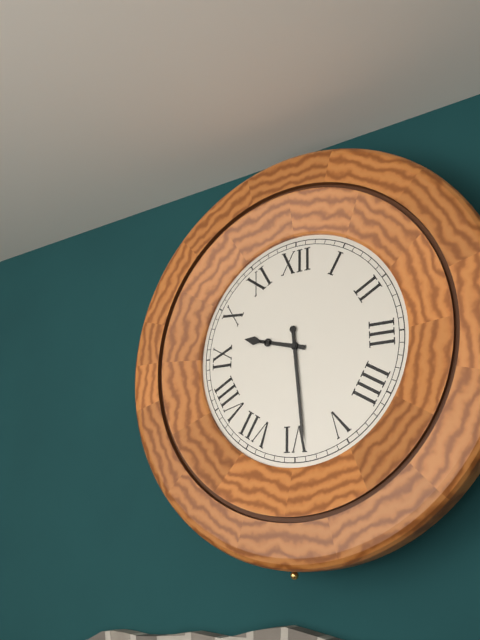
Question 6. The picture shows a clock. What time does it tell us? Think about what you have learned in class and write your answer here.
9:29
